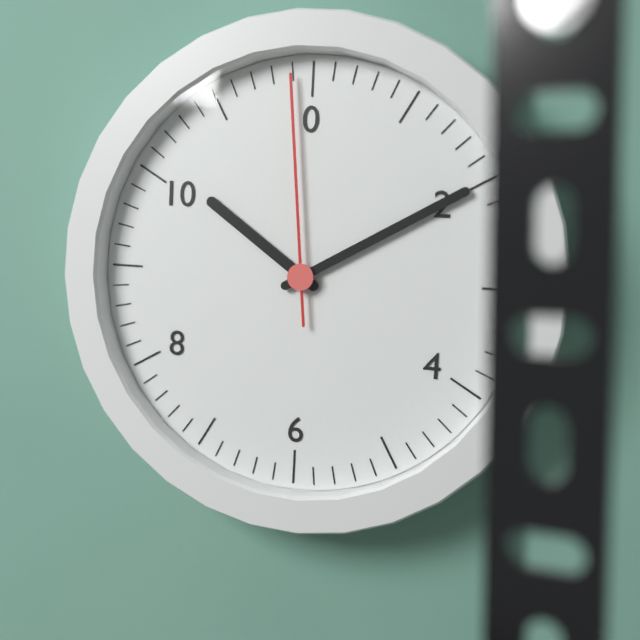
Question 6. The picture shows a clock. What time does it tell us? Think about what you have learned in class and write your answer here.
10:10:59
